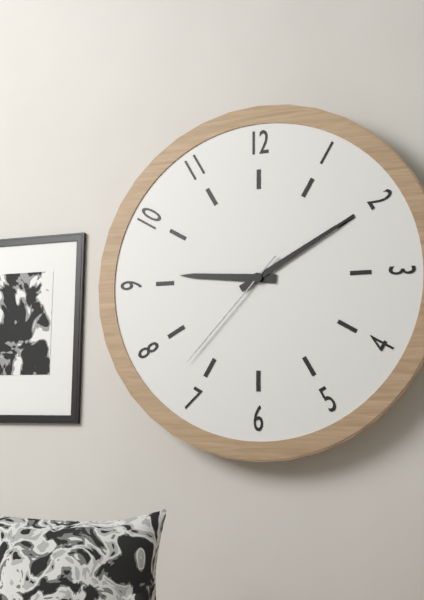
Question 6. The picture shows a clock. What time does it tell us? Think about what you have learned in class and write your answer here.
9:10:37
